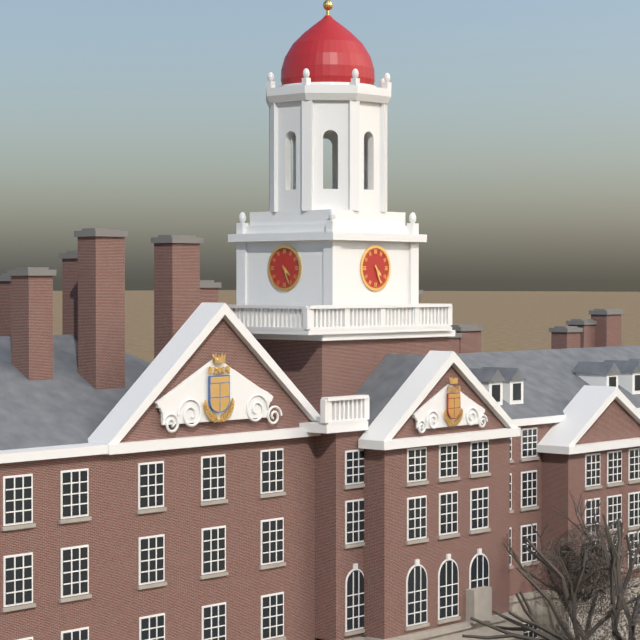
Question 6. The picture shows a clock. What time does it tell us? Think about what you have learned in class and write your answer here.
4:26
